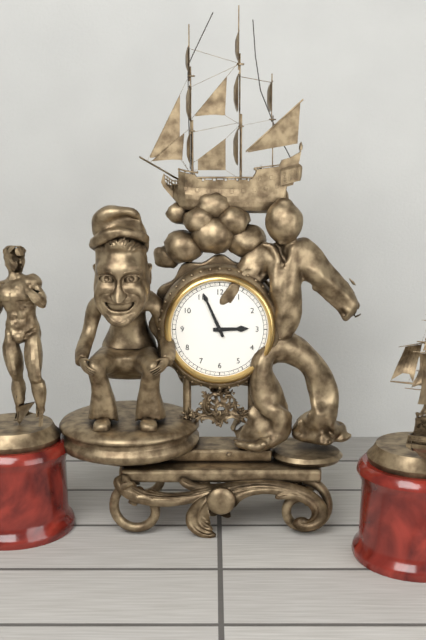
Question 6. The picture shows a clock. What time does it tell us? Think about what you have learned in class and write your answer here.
2:56
